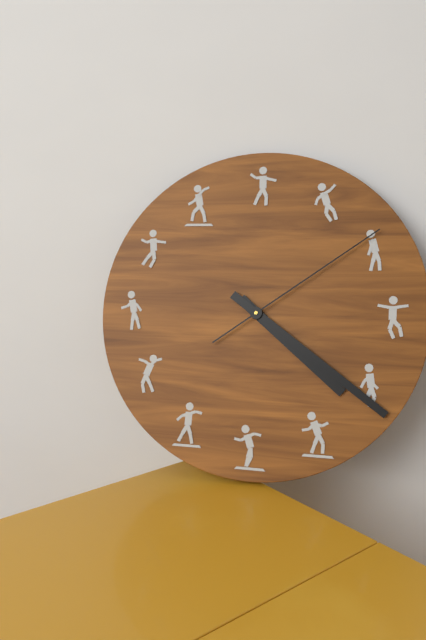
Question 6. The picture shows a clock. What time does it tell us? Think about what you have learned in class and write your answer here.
4:21:09
